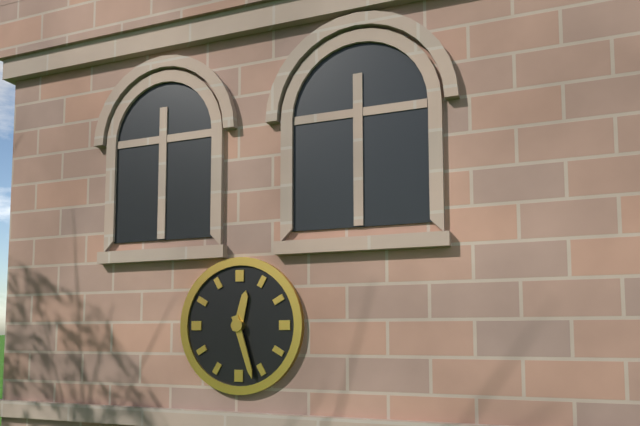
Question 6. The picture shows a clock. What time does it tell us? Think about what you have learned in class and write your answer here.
12:27
